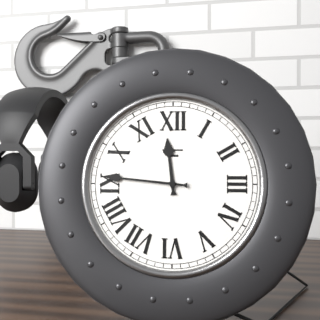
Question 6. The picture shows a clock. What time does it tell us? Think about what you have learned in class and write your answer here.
11:46
